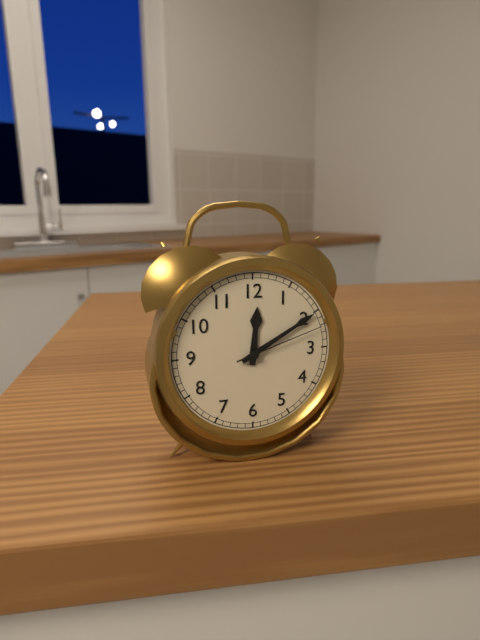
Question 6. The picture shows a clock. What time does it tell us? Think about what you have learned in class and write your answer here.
12:10:12
